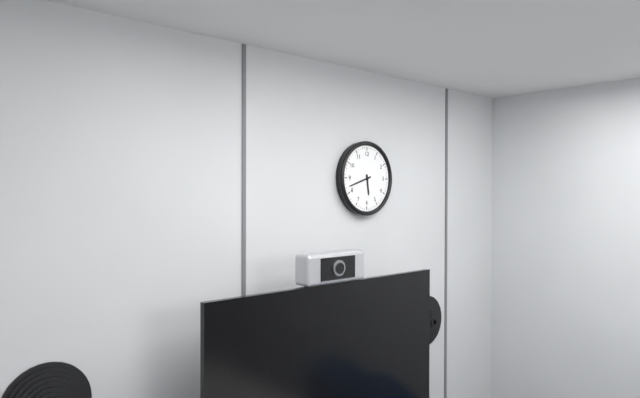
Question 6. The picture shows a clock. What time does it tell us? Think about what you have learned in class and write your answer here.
5:42
